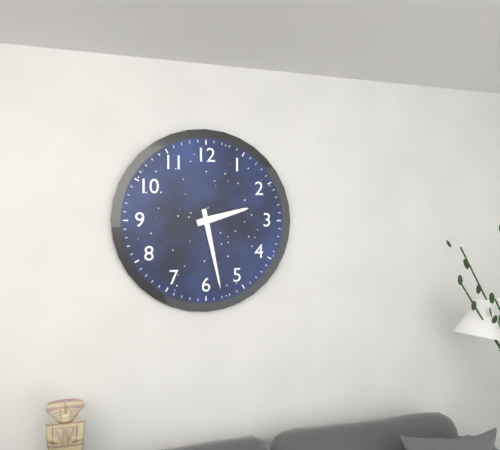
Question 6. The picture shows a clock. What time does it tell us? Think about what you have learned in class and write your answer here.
2:28
